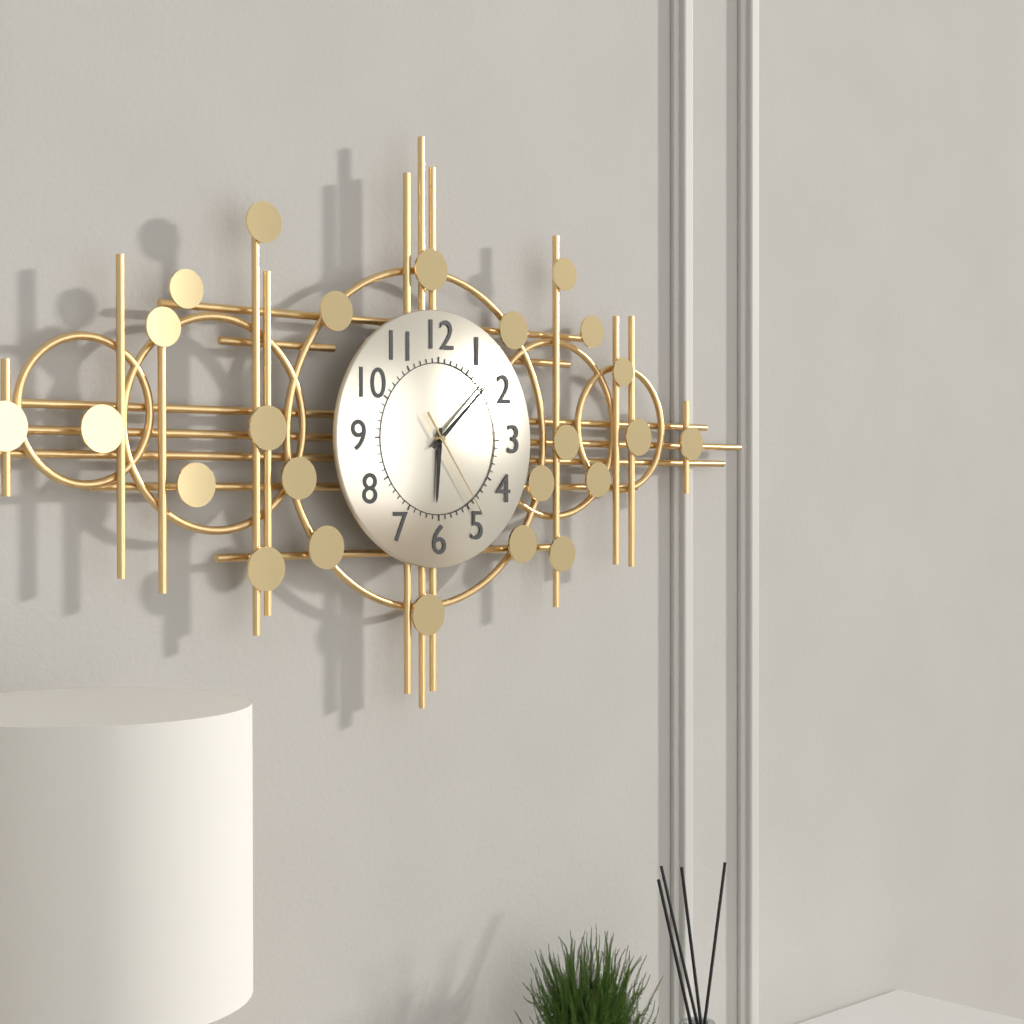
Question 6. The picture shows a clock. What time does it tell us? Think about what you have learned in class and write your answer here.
6:08:24
